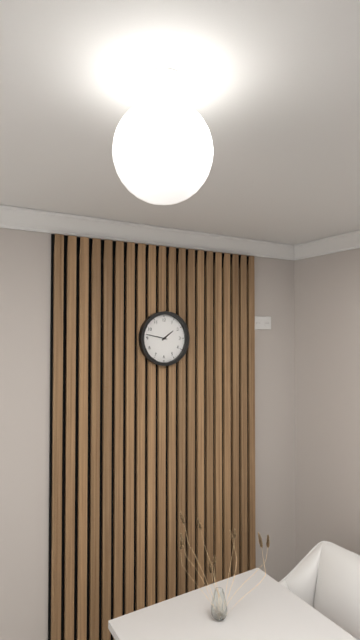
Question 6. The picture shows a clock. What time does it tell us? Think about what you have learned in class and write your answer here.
1:47
